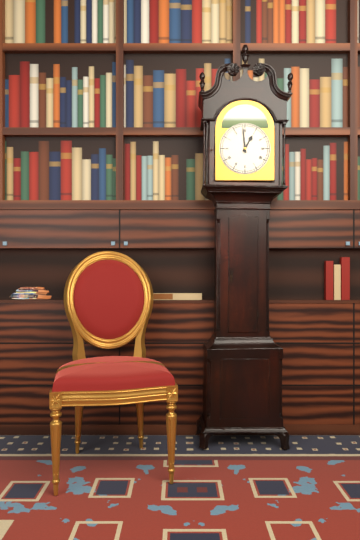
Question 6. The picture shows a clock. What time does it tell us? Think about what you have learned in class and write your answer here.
12:59
